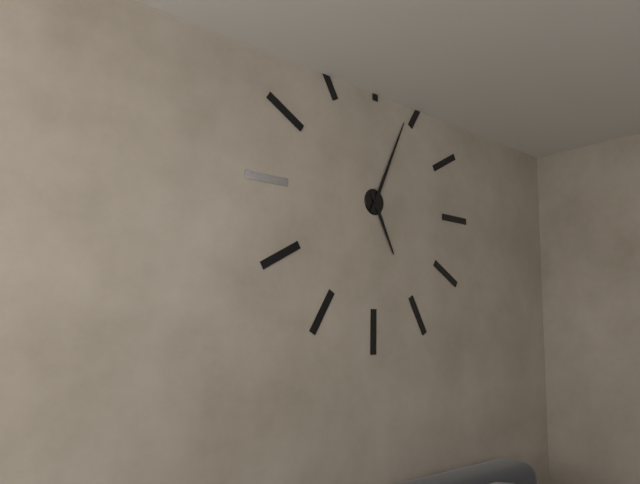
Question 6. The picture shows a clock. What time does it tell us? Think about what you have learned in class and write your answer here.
5:04
